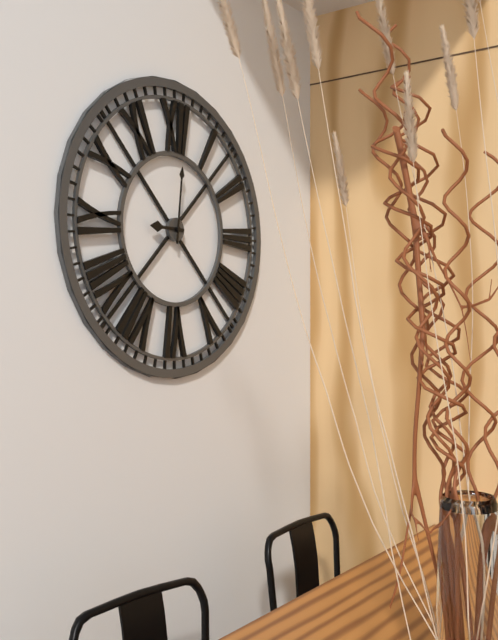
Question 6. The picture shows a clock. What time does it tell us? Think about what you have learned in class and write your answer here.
9:01
